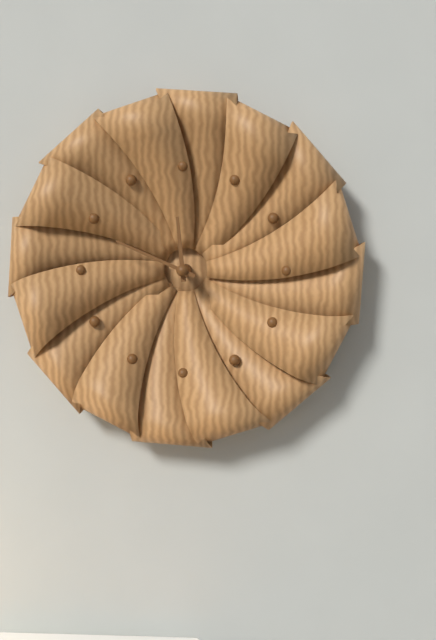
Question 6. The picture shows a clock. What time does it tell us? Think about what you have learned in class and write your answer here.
11:49
